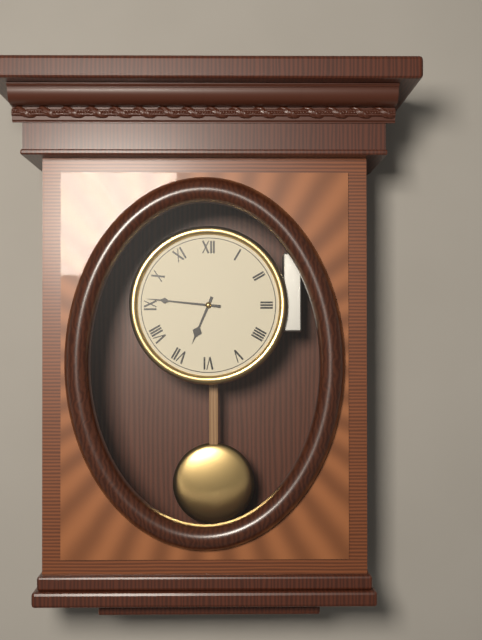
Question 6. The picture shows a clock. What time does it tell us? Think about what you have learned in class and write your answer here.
6:46
